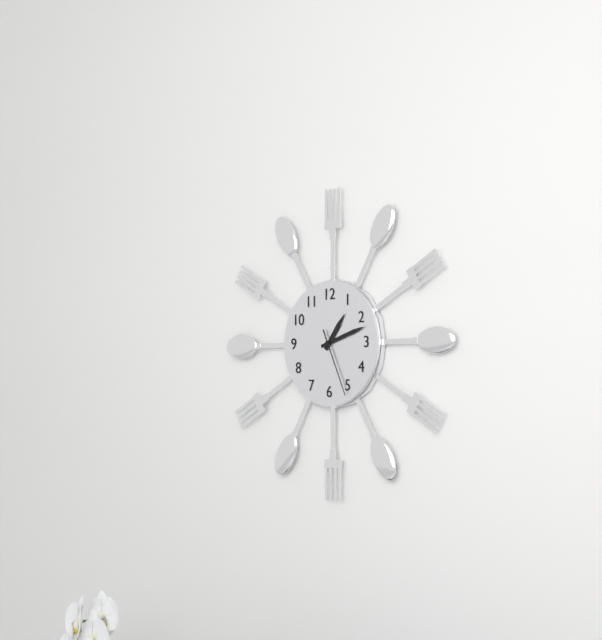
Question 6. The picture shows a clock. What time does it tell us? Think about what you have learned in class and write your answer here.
1:12:26
